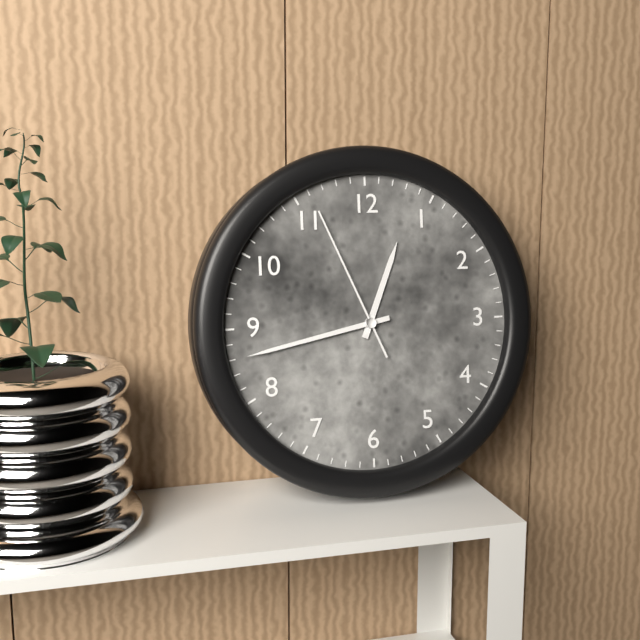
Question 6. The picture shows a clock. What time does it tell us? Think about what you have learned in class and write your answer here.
12:43:56
